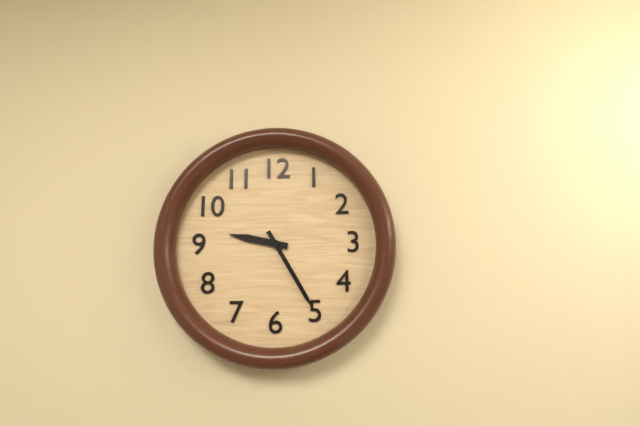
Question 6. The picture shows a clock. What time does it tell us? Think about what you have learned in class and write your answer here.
9:25
